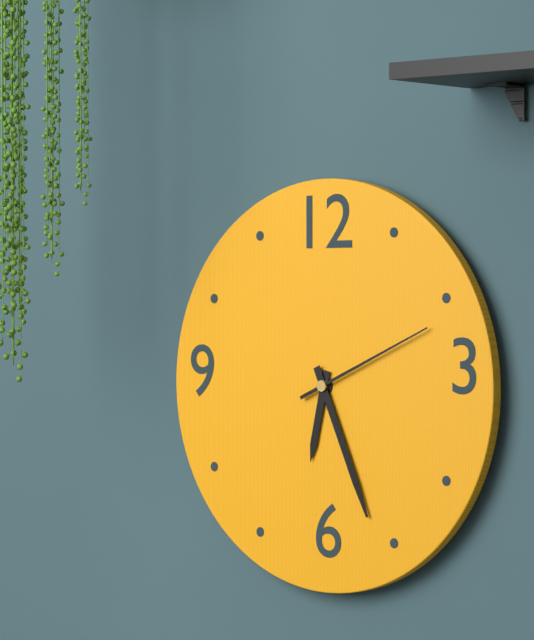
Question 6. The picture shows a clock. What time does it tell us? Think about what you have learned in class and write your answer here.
6:26:11
